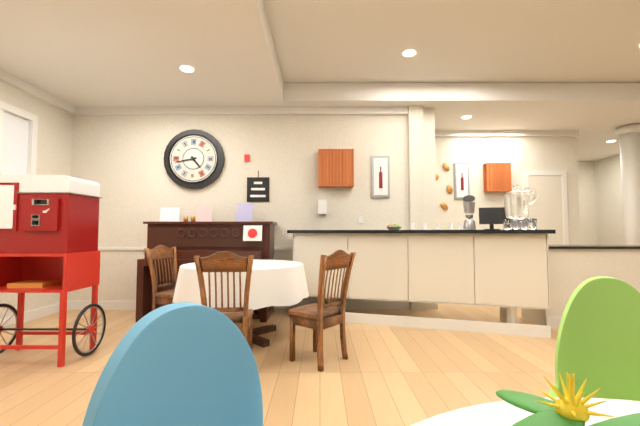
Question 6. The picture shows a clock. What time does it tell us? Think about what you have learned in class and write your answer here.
4:43
